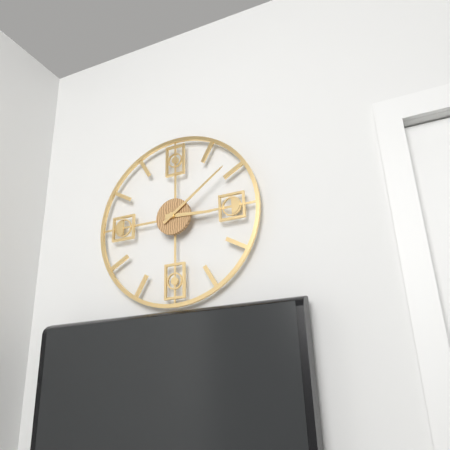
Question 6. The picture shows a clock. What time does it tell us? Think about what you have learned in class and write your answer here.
3:09
